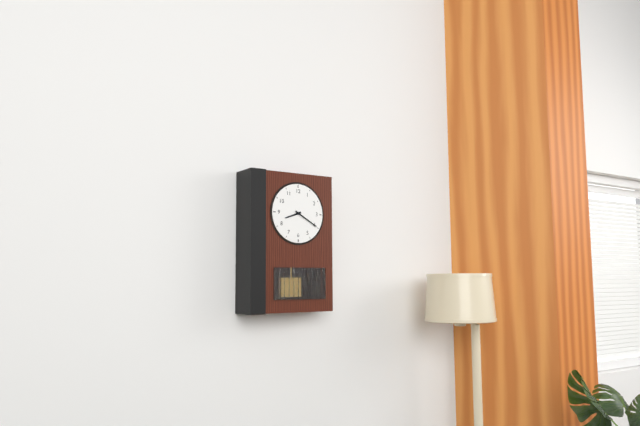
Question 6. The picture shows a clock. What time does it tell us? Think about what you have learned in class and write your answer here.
8:20
